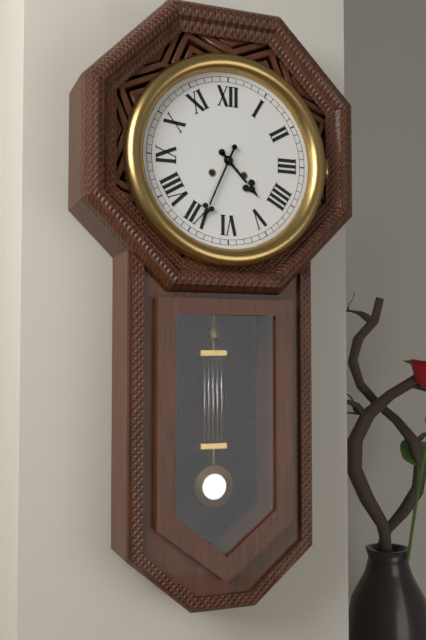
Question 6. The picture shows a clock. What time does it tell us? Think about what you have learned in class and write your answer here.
4:34
